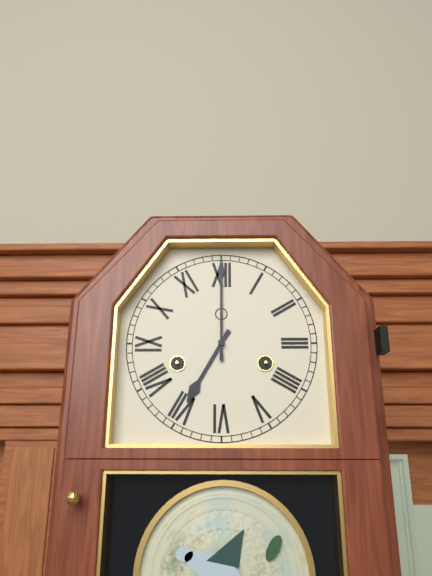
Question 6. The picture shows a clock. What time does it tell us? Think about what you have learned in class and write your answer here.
7:00
